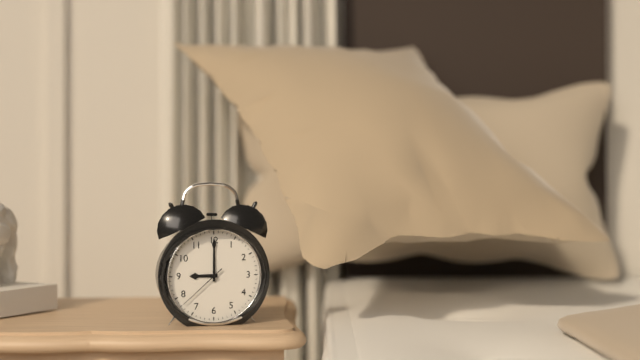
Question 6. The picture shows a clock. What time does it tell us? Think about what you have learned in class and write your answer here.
9:00:38
